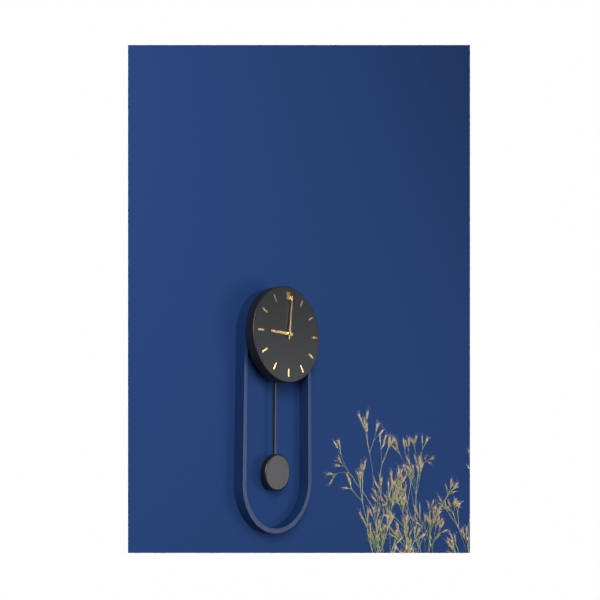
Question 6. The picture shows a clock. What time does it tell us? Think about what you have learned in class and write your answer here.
9:01
